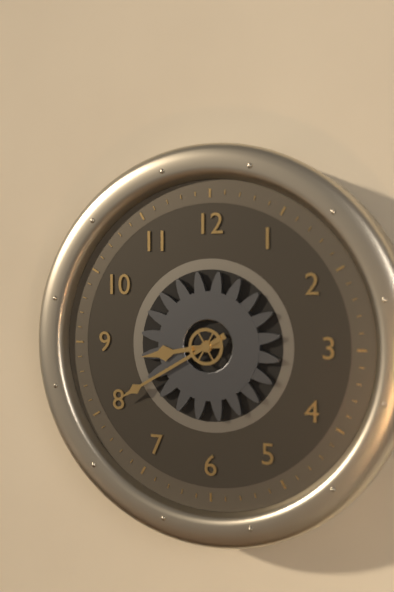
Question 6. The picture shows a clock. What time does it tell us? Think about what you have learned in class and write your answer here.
8:40
